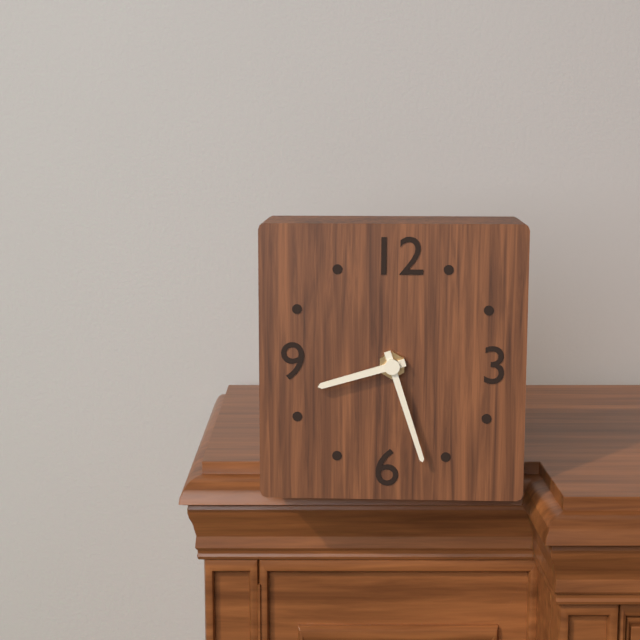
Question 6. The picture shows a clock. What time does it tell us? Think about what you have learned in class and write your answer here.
8:27
